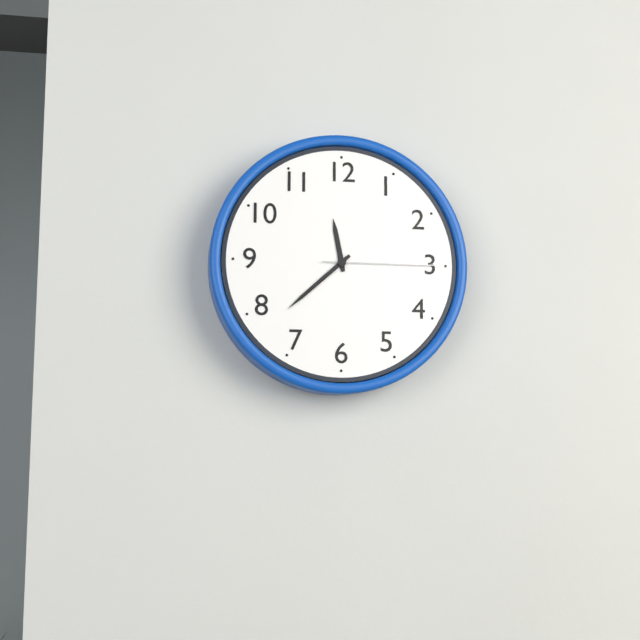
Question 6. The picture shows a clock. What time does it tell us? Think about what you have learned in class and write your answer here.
11:38:15
